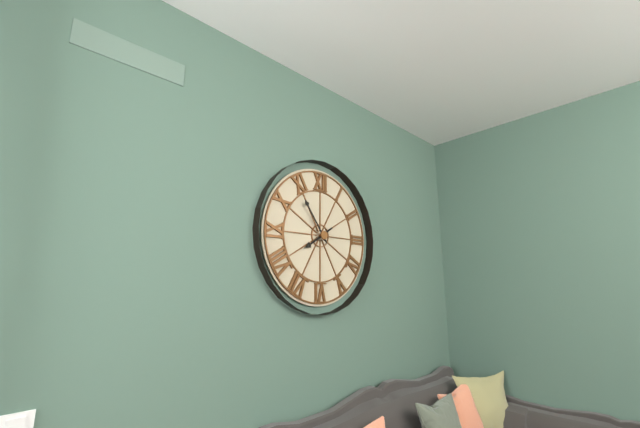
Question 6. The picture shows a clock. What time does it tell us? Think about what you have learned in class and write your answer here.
7:54
